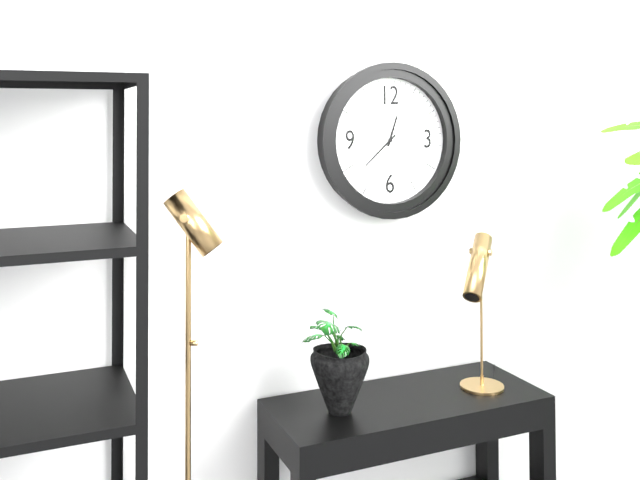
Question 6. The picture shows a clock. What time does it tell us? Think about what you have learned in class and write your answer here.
12:38
